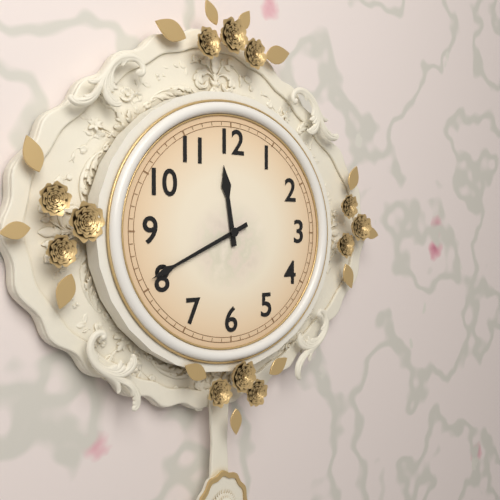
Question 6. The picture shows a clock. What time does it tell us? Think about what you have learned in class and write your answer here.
11:41
